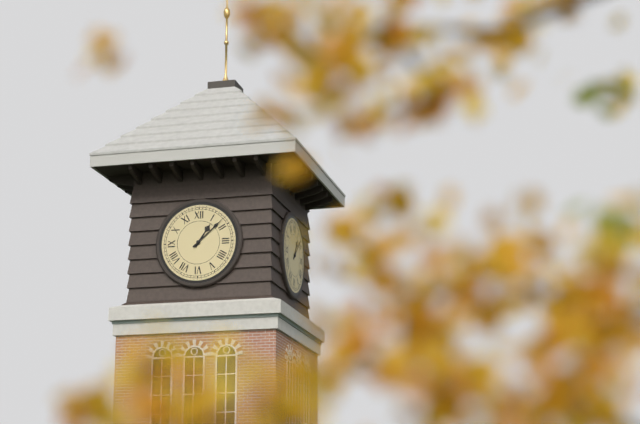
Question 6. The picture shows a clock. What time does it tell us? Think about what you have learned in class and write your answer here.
1:08
